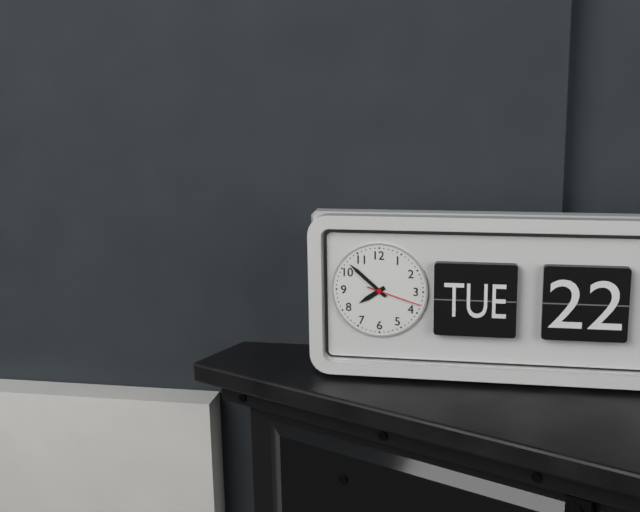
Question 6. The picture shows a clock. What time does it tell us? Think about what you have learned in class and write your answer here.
7:52:18
